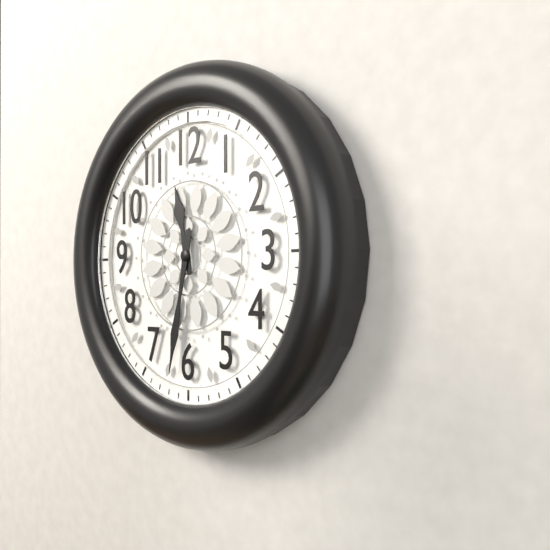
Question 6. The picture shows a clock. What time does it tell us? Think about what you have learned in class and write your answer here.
11:32
